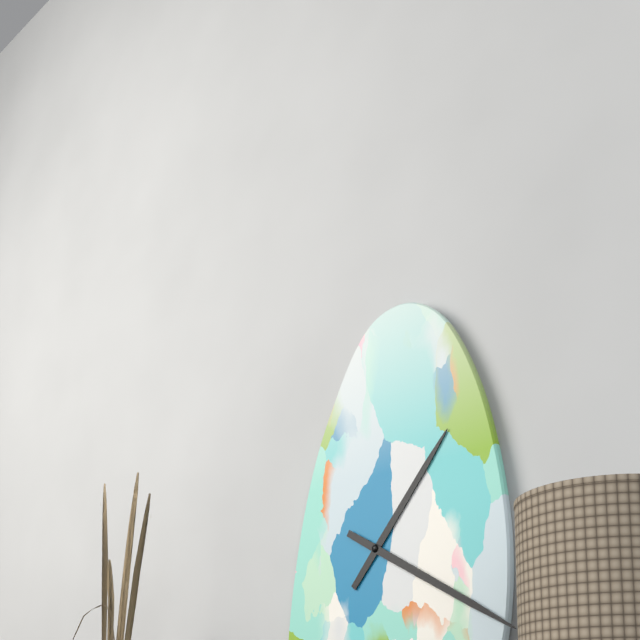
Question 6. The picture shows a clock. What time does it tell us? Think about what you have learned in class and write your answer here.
1:20
